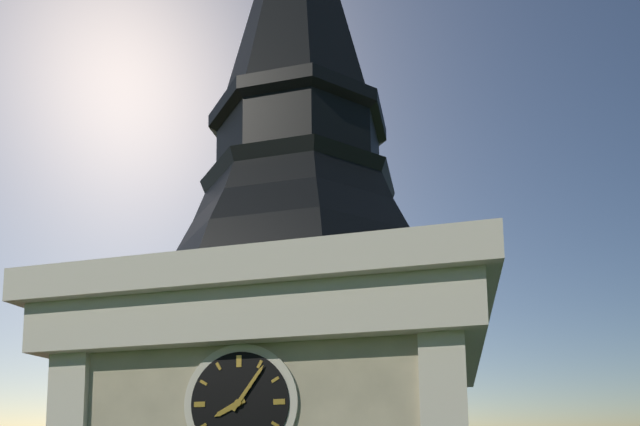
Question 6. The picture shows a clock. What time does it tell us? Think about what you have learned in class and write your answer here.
8:06
